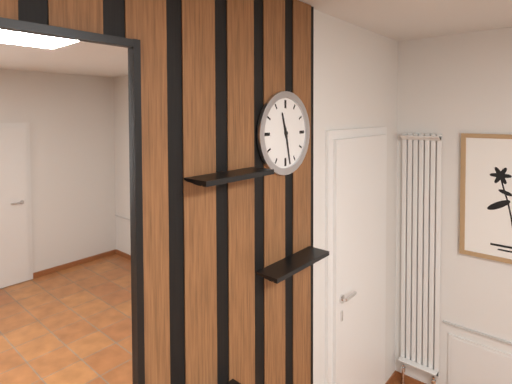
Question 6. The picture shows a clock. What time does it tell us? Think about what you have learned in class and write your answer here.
11:28
